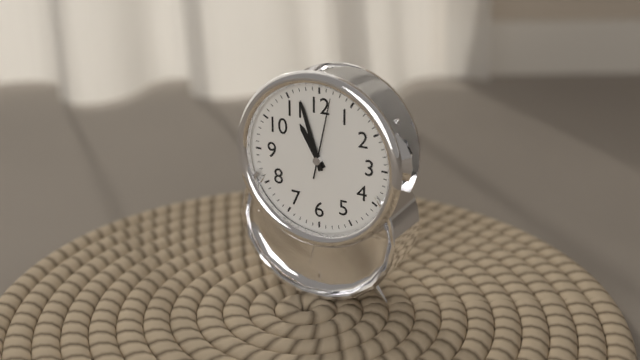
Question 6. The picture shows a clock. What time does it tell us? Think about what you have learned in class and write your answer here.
10:57:02
